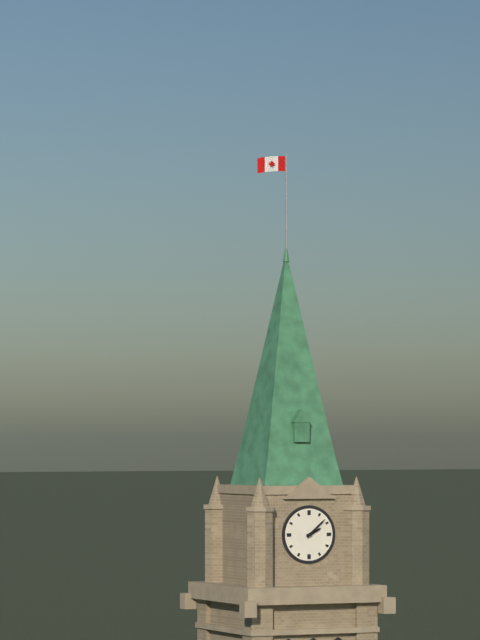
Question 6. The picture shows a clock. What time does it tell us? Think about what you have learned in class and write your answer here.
2:08
